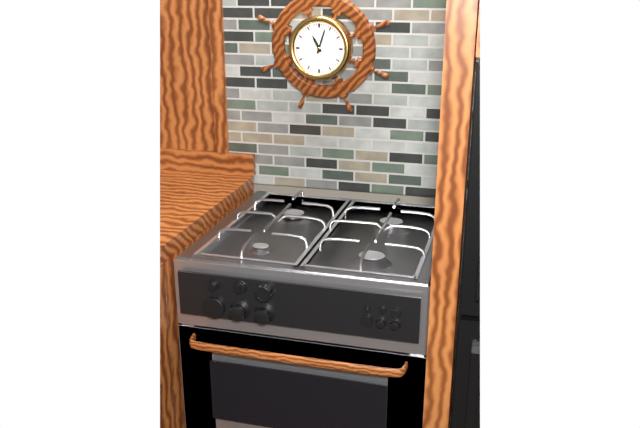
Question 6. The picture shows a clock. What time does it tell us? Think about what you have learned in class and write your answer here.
11:03
